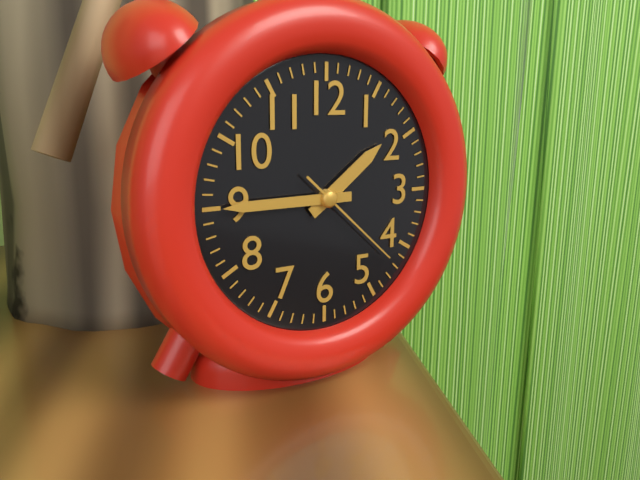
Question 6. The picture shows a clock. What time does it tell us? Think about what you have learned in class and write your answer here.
1:45:22
